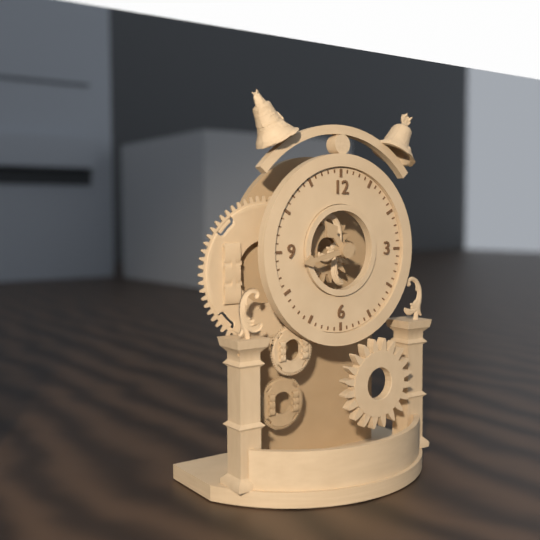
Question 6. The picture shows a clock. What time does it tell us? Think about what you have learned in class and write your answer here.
10:43
